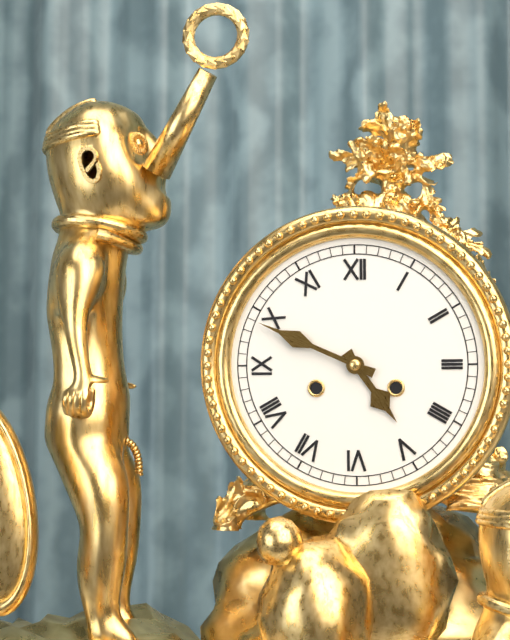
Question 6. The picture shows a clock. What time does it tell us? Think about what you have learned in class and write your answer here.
4:49
